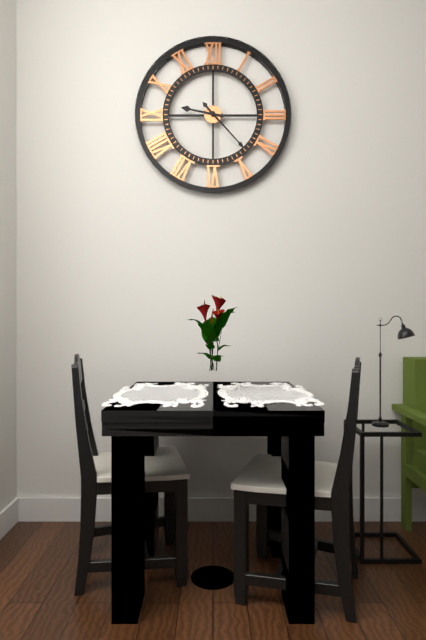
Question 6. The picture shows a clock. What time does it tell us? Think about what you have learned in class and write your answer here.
9:23
